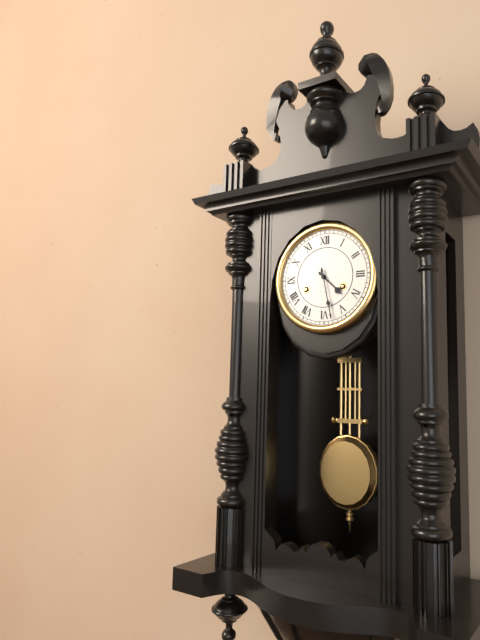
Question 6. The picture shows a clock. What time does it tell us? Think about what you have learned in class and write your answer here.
4:28
